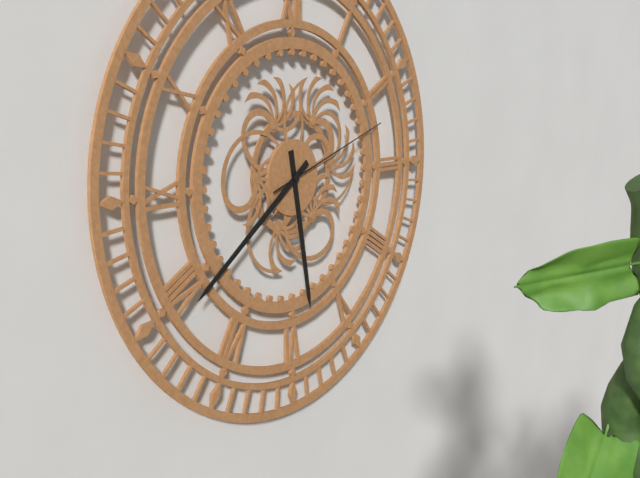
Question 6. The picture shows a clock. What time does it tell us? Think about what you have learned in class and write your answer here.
5:39:12
